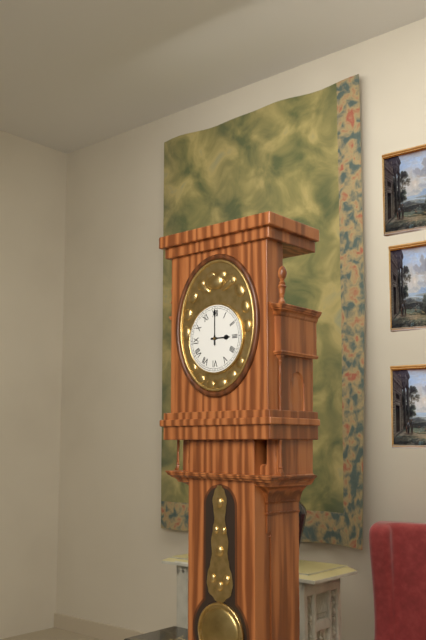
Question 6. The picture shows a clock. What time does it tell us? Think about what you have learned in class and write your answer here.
3:00
